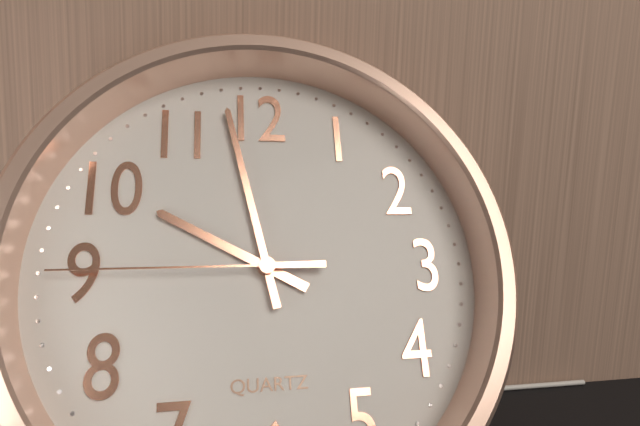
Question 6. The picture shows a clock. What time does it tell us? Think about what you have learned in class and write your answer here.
9:58:45
